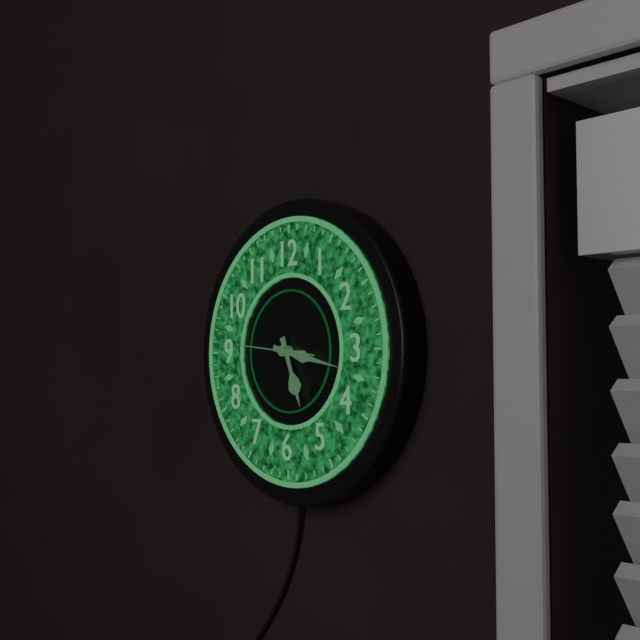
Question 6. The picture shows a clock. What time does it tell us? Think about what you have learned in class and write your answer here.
5:17:46
